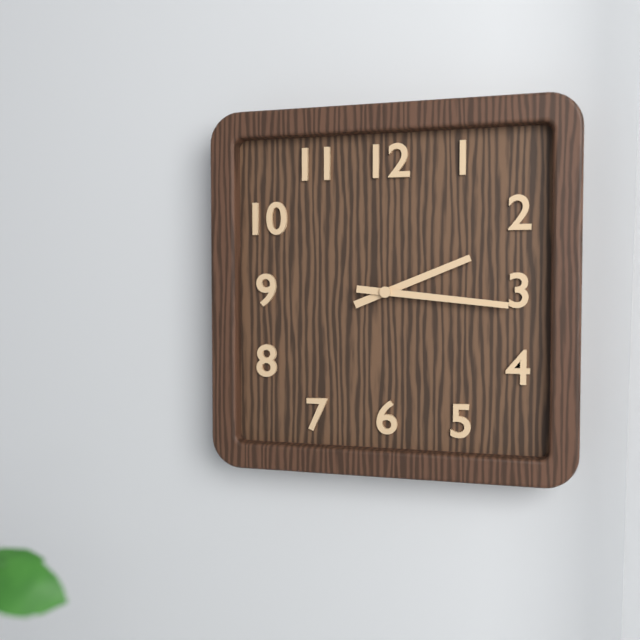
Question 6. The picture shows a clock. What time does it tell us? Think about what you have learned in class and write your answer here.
2:16
